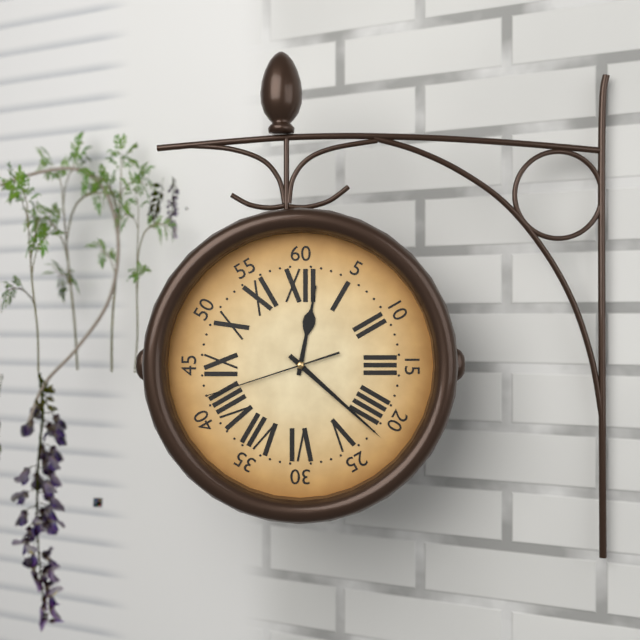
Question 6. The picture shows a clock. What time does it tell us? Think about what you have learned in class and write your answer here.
12:22:42
